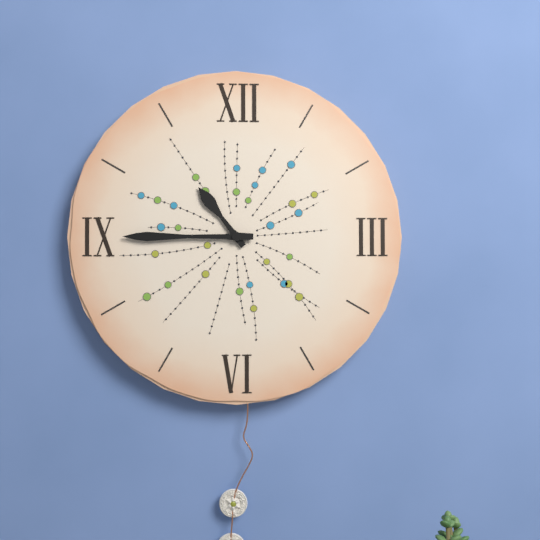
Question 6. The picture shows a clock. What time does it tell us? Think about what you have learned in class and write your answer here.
10:45
